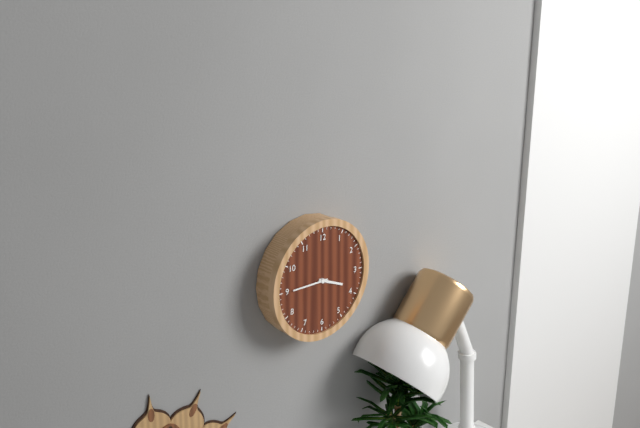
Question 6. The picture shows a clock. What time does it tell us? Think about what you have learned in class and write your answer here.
3:45
